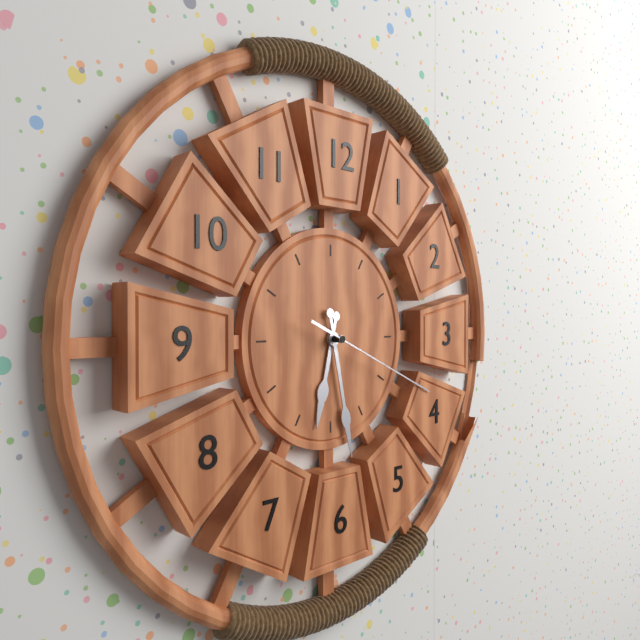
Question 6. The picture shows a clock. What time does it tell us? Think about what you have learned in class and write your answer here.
6:28:19
